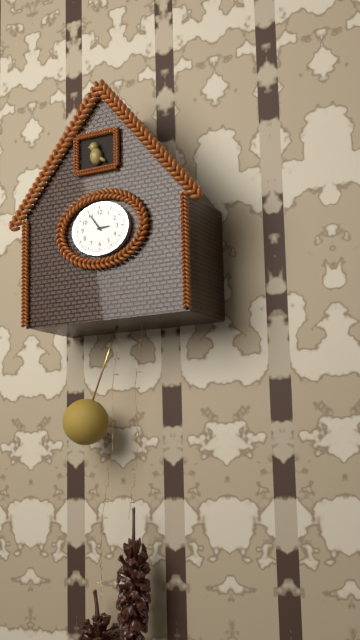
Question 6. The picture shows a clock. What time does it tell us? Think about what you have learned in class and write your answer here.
2:54
